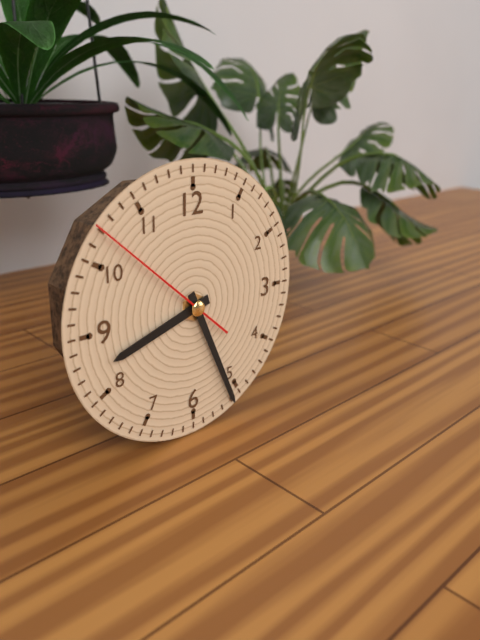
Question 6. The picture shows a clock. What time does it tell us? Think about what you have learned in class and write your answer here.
8:26:52
